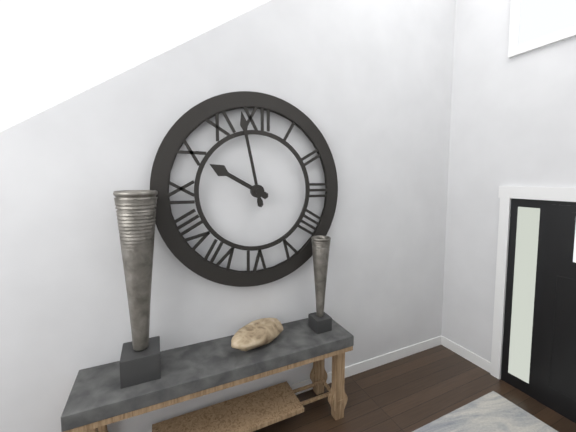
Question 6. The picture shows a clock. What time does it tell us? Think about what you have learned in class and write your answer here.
9:58
